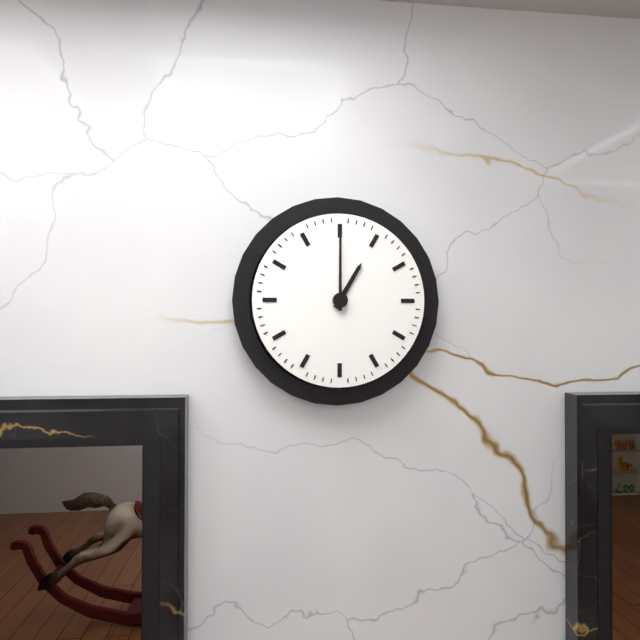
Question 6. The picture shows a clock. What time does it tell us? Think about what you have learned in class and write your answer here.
1:00
